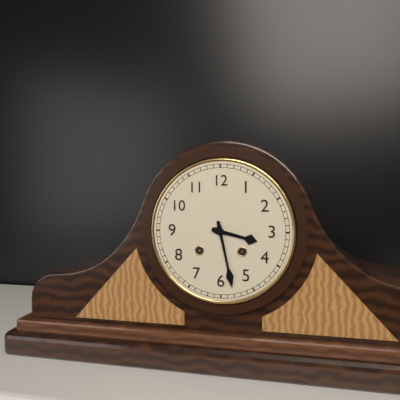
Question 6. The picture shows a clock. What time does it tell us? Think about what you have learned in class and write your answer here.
3:28
